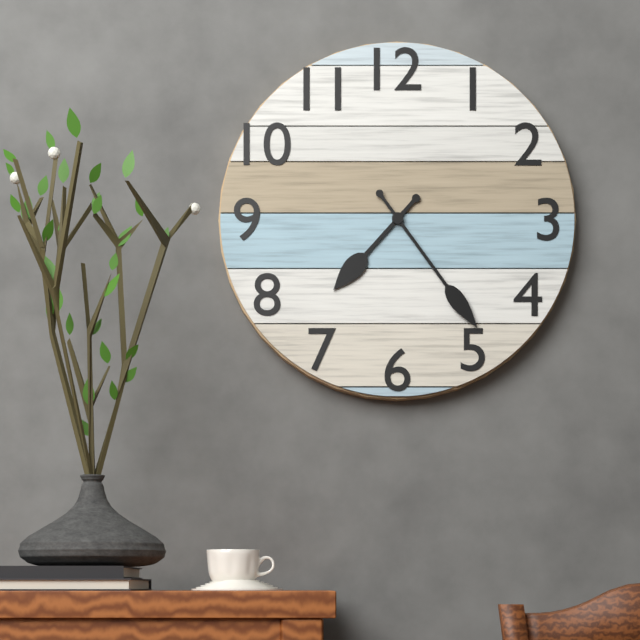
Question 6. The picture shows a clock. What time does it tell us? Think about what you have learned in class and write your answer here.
7:24
